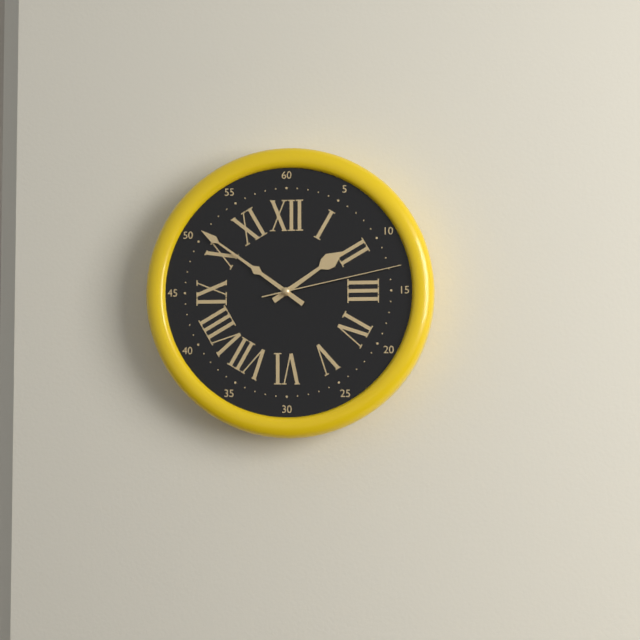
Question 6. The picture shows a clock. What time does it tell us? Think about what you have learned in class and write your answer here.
1:51:13
